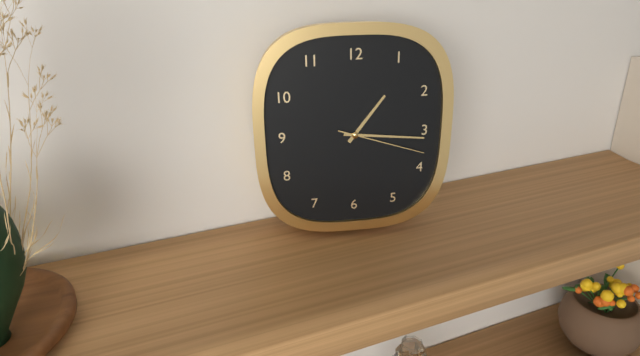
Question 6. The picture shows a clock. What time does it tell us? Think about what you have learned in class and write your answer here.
1:16:18
